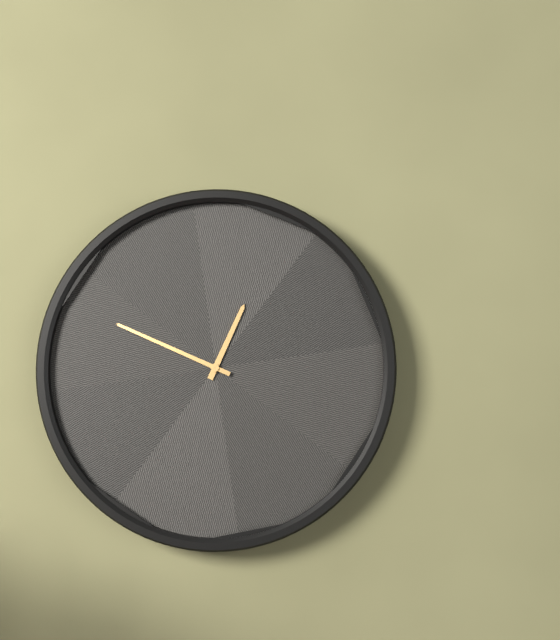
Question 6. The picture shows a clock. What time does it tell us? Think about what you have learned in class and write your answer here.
12:49
